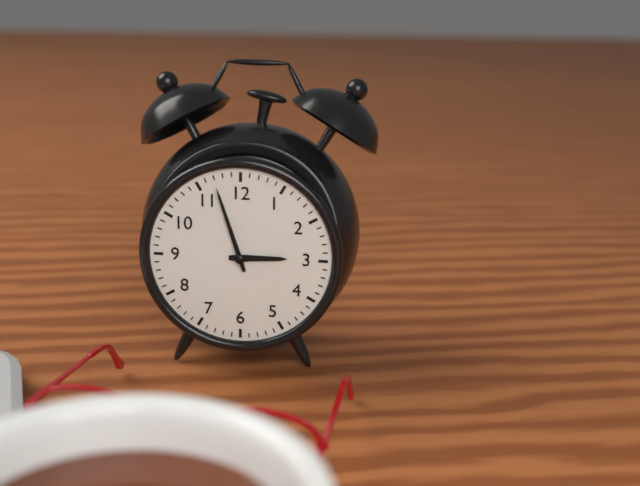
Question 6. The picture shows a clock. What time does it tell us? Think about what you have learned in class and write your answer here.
2:57
